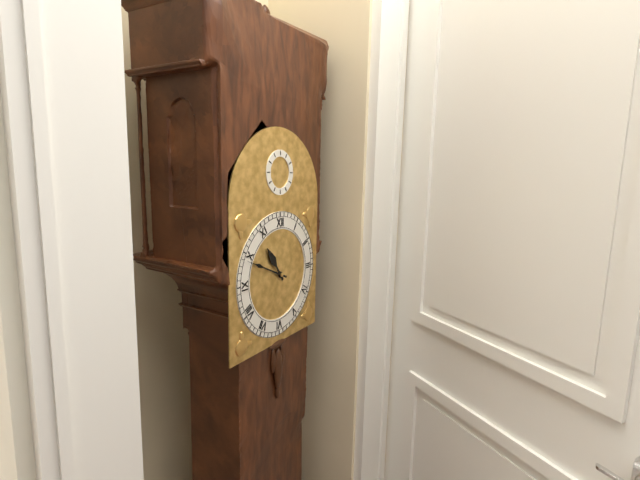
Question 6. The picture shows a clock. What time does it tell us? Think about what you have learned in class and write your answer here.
10:49
